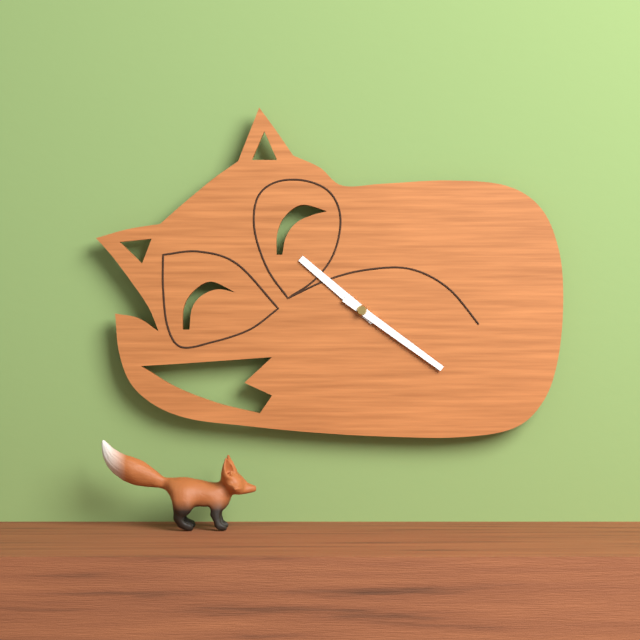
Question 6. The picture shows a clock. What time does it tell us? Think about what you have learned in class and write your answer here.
10:21
